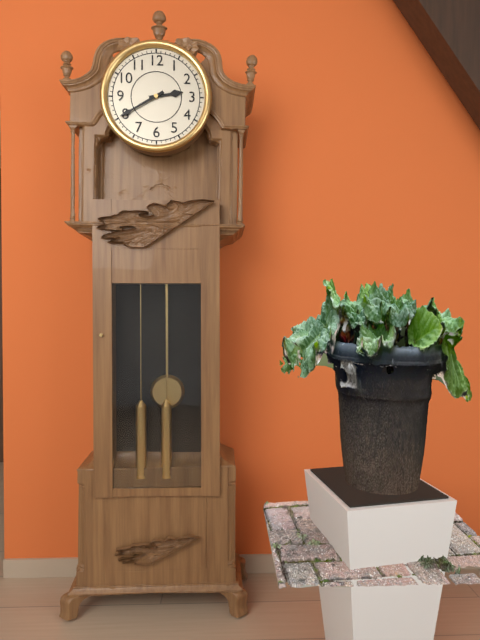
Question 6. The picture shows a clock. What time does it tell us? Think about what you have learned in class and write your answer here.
2:40
